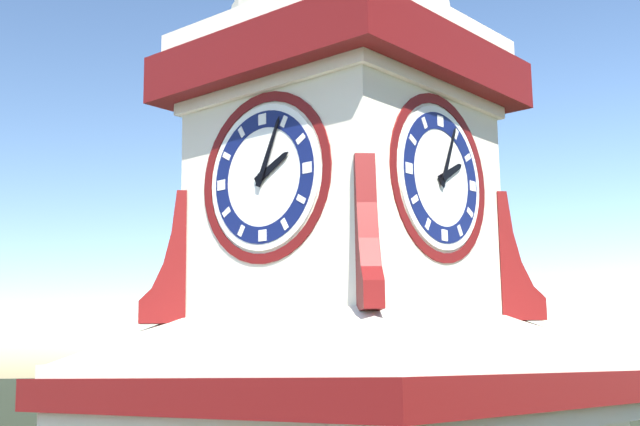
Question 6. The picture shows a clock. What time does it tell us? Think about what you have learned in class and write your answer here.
2:04
